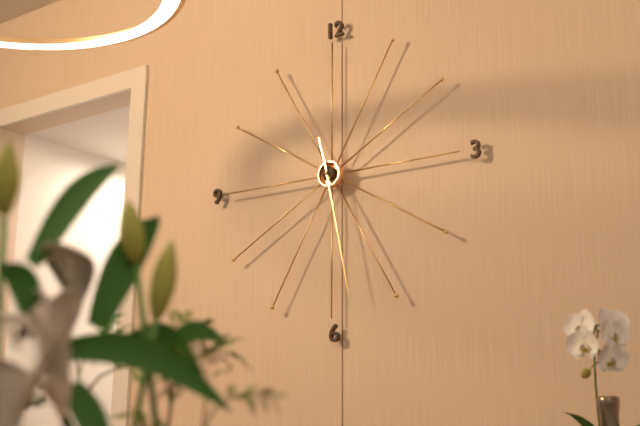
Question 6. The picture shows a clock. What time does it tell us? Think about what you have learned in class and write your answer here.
11:28
